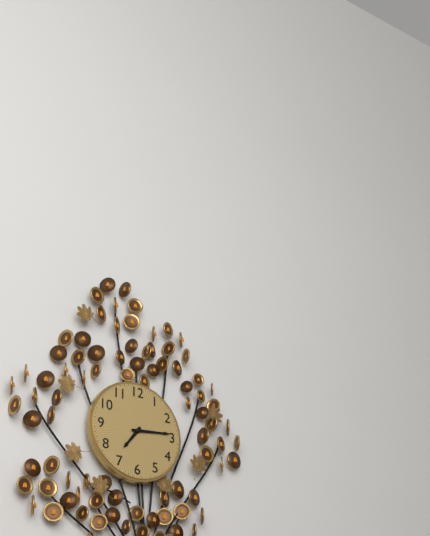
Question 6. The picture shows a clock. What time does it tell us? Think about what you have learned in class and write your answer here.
7:14
